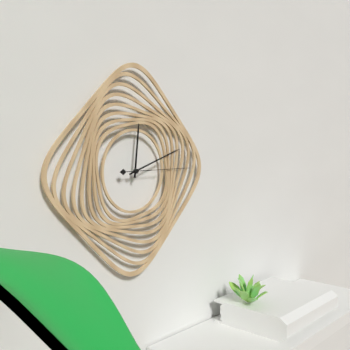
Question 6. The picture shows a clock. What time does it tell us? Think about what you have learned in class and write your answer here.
12:12:15
